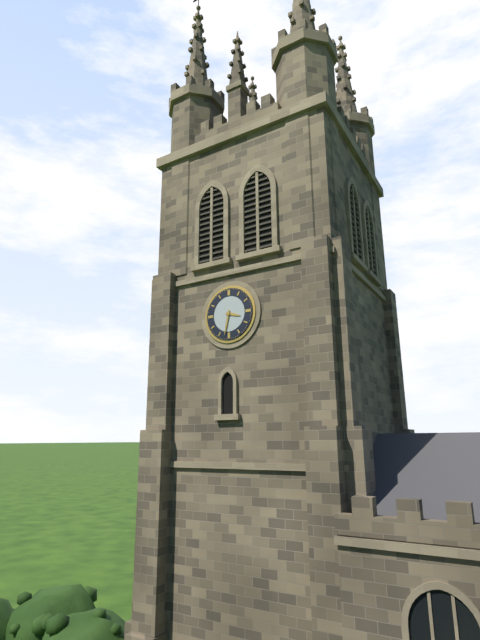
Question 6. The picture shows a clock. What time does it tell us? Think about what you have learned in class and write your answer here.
3:32
